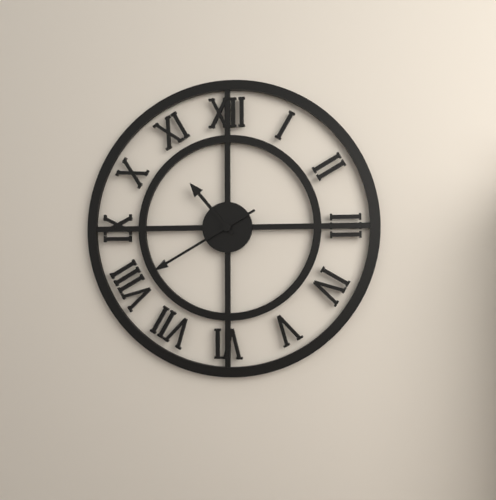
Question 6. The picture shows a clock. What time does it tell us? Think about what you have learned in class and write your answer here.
10:40
